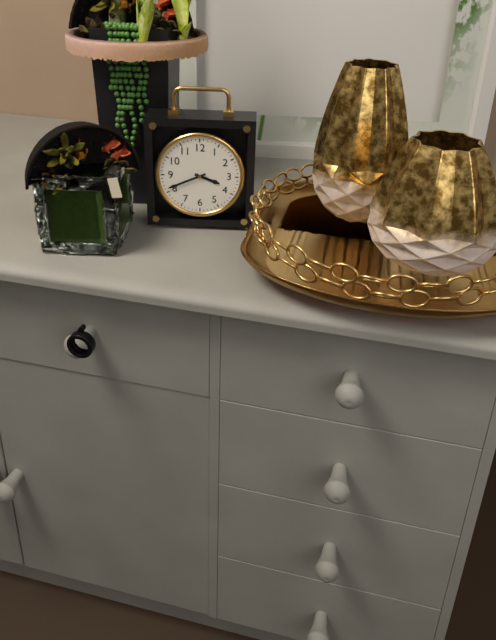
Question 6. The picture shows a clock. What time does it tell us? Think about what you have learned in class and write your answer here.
3:41
